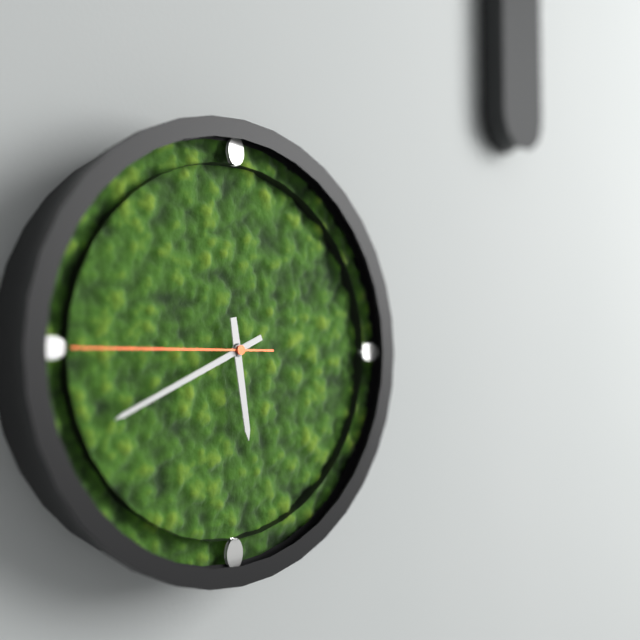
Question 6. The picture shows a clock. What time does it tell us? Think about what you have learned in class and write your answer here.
5:41:45
